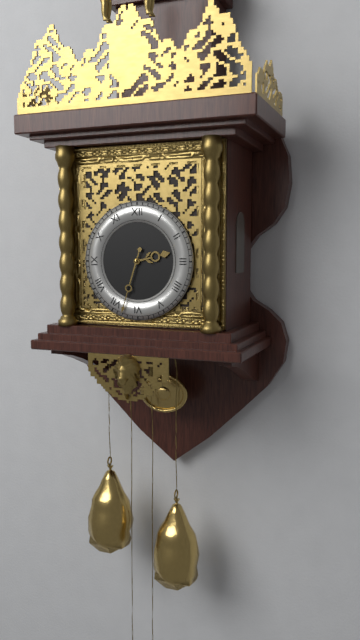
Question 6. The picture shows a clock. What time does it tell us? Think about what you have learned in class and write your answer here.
2:33
